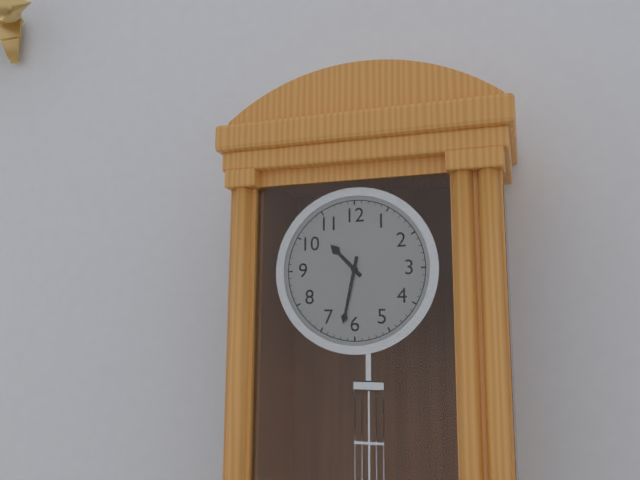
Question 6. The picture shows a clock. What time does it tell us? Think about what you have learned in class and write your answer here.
10:32
